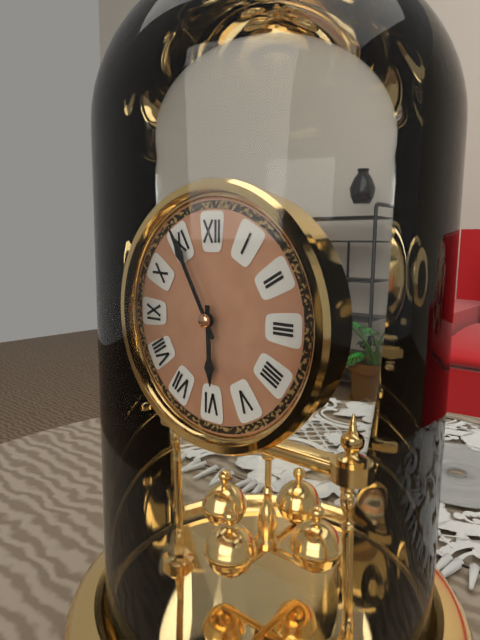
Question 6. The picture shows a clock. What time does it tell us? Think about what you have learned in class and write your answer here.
5:55
